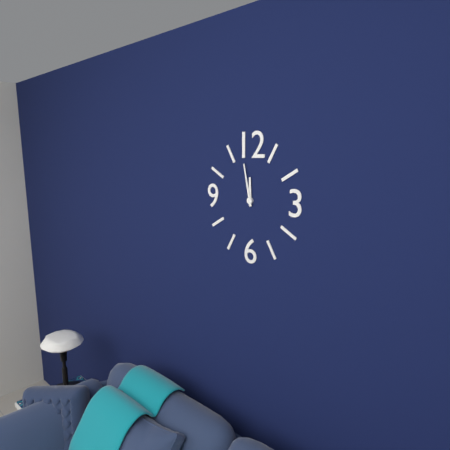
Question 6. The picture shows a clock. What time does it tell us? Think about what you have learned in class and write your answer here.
11:58
